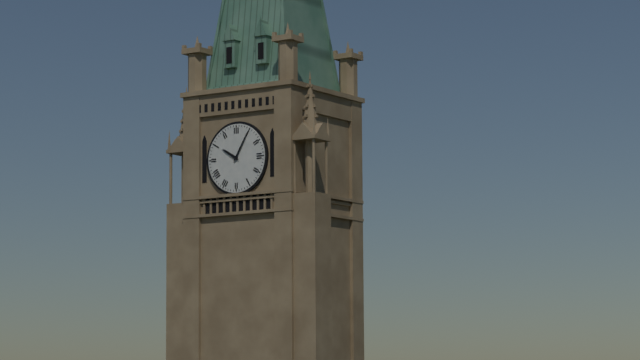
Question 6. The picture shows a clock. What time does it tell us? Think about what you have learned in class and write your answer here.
10:05
